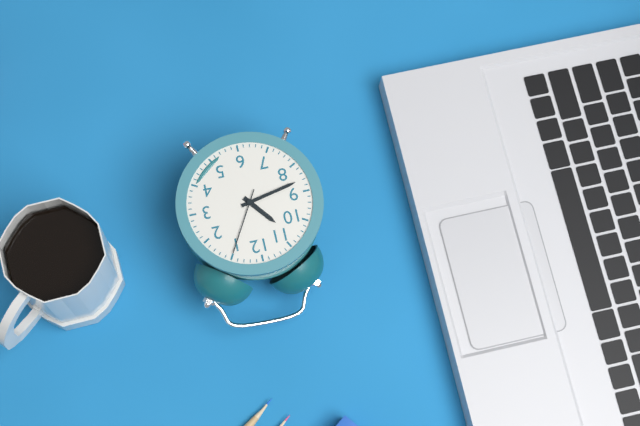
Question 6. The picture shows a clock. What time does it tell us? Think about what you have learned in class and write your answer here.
10:43:05
